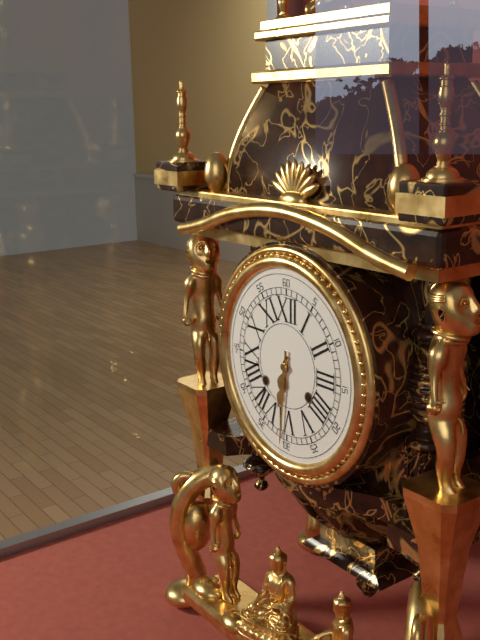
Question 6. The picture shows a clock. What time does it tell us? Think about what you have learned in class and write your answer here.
6:31
